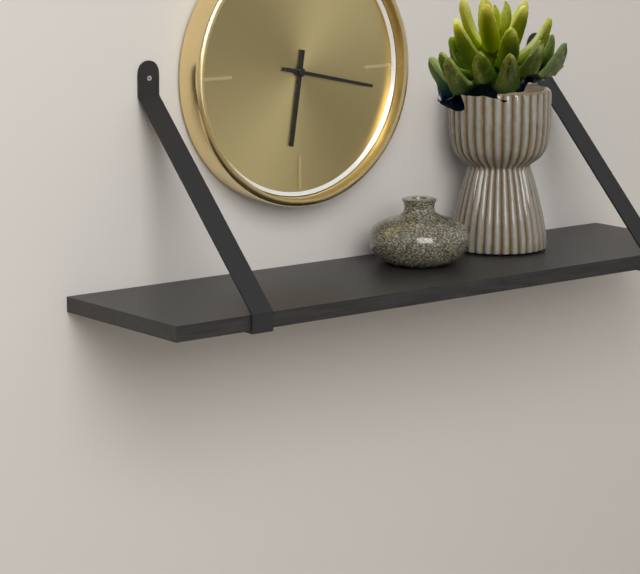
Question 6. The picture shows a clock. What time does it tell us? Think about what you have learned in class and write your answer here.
6:17
